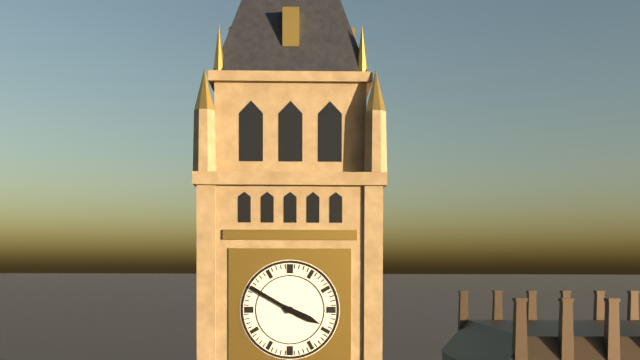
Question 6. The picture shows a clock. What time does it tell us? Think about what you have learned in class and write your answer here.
3:50
